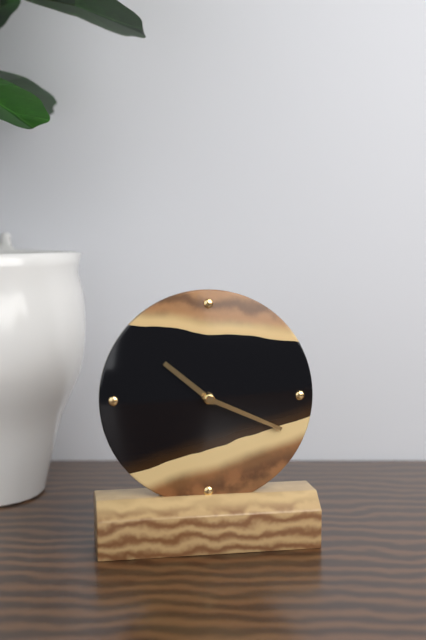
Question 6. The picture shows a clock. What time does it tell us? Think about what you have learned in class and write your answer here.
10:19
